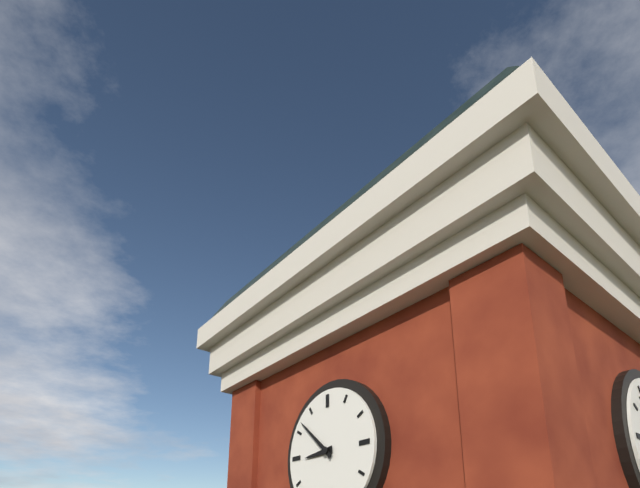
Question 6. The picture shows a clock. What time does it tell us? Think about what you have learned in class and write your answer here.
8:52
